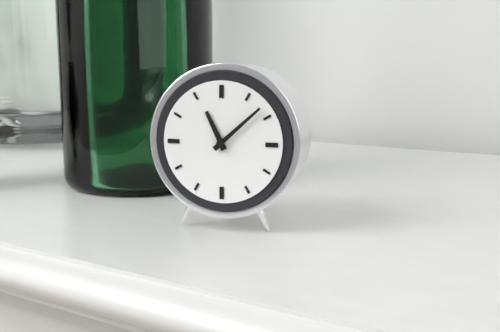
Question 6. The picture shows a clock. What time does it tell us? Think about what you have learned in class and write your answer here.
11:08
